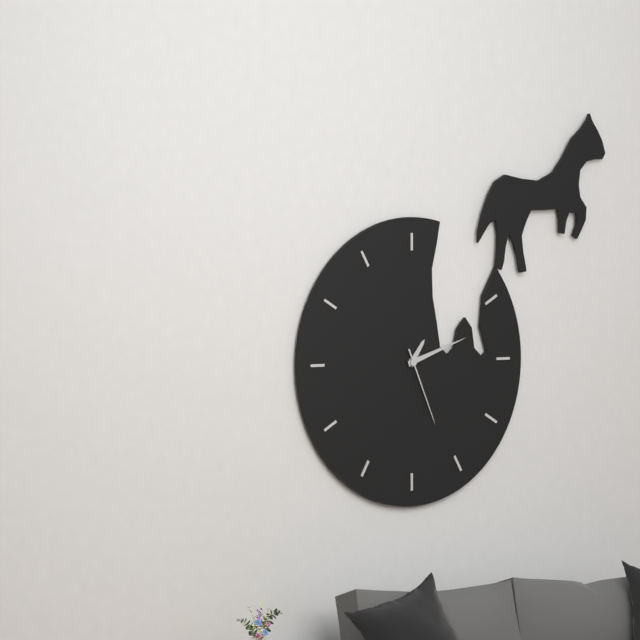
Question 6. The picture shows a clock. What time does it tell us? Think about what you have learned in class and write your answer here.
1:12:26
